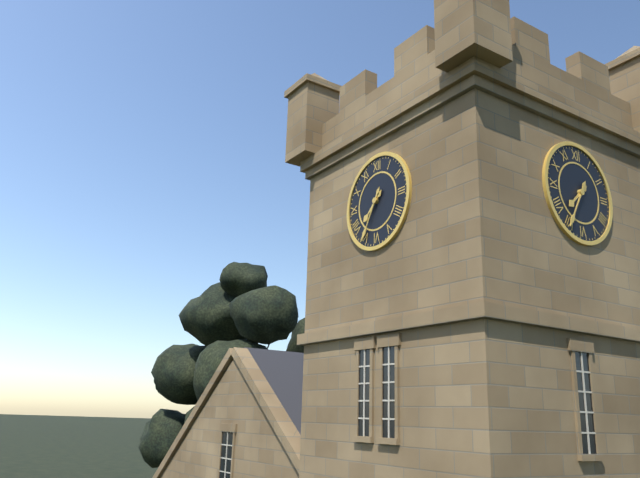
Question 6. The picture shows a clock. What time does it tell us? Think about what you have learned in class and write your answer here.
7:35
